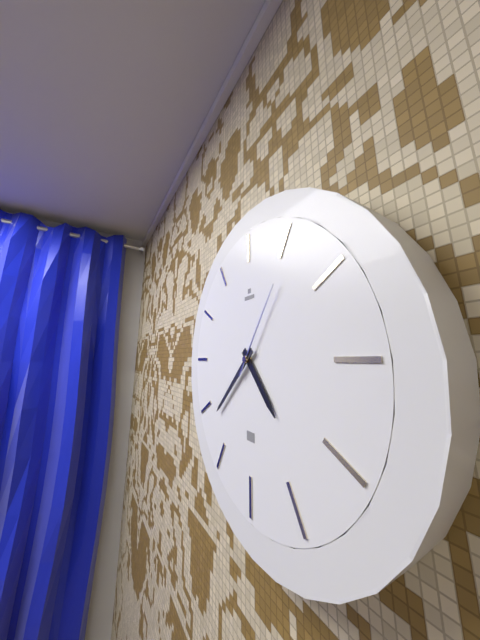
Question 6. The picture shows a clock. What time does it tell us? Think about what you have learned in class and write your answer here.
4:38:06
